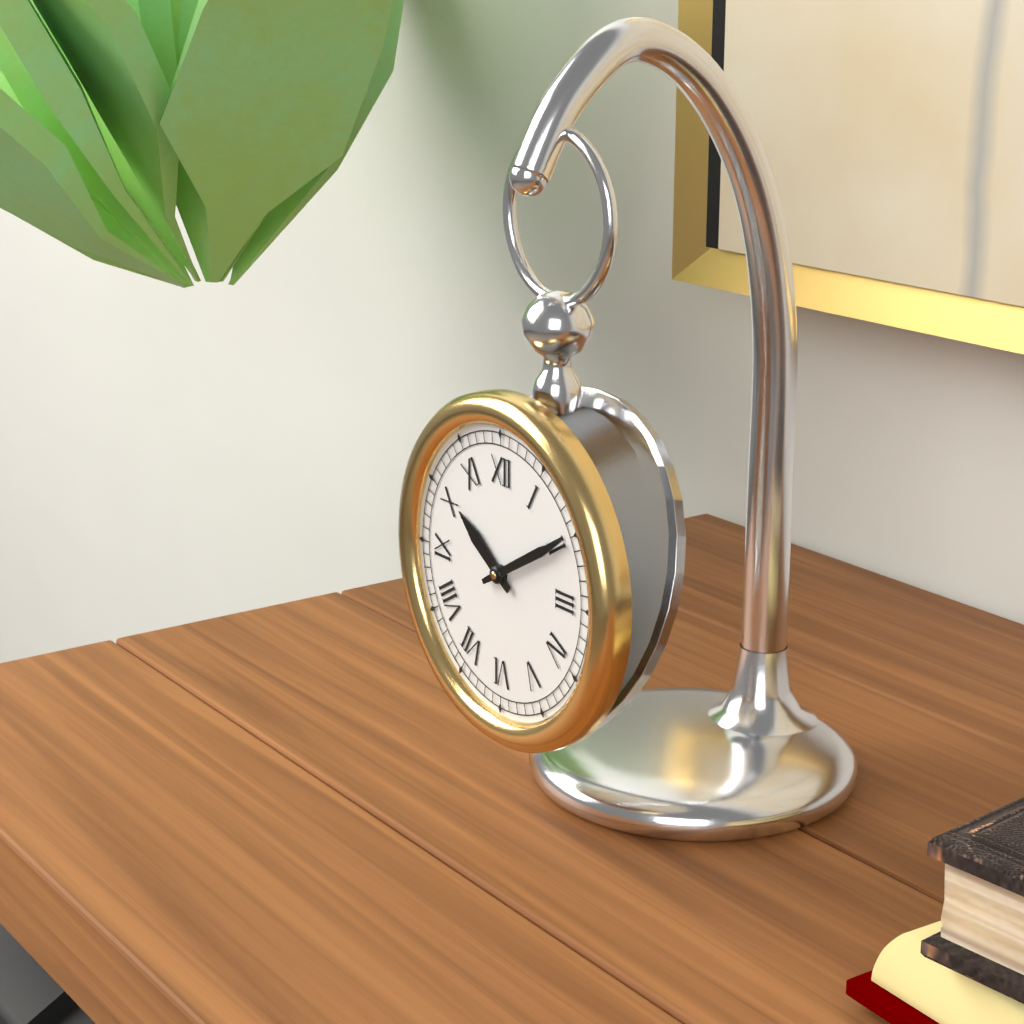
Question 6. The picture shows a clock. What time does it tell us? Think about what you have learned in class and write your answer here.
10:10
